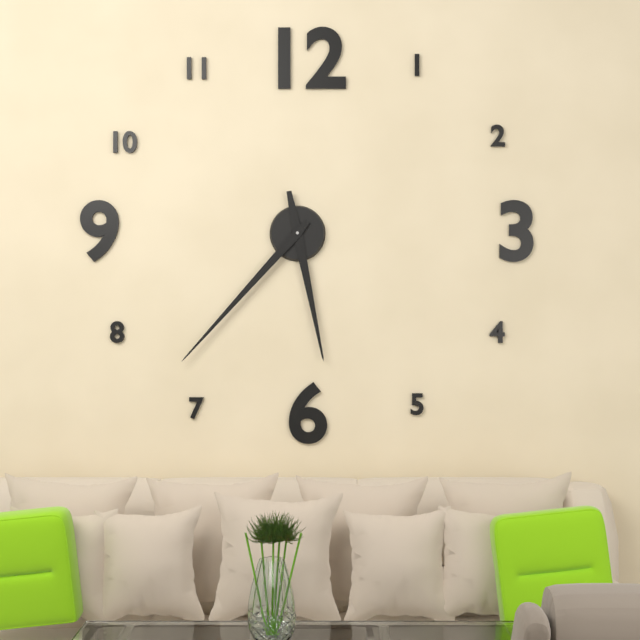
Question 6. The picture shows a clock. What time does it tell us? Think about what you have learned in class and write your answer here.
5:37
